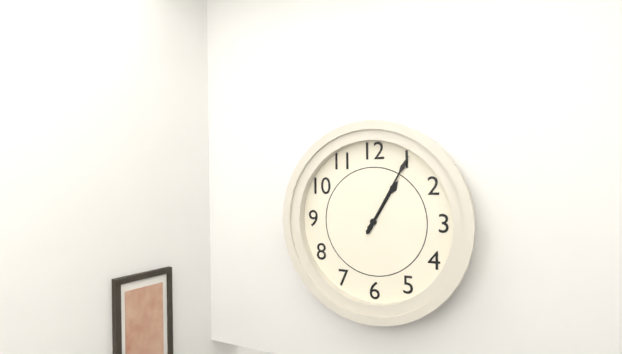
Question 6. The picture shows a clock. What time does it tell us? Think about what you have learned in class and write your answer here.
1:05
